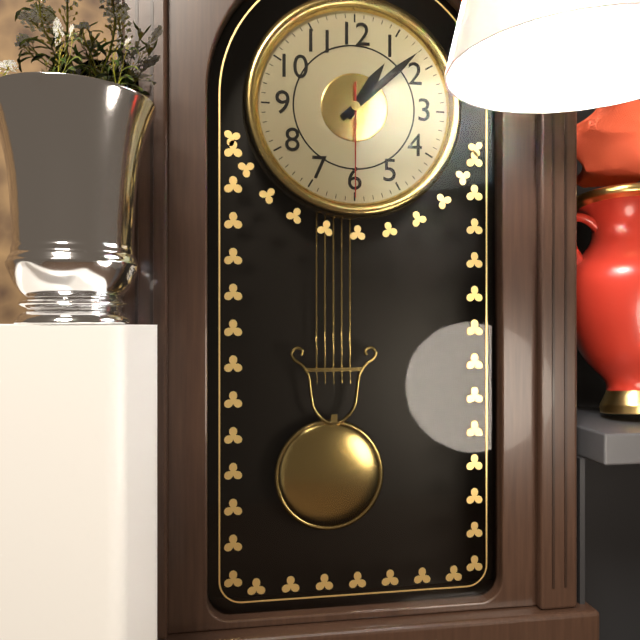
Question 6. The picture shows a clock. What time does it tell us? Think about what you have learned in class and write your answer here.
1:08:30
